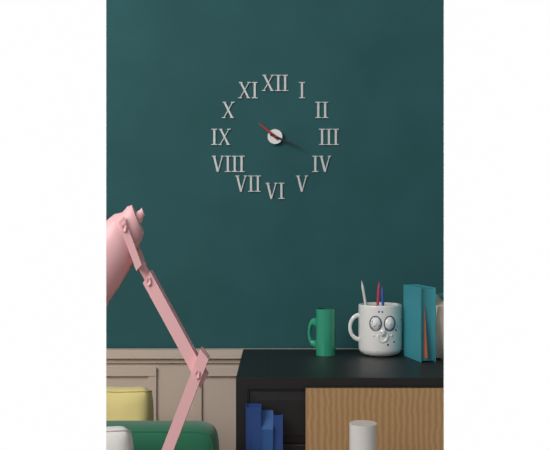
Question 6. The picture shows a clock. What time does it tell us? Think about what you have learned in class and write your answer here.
10:19
